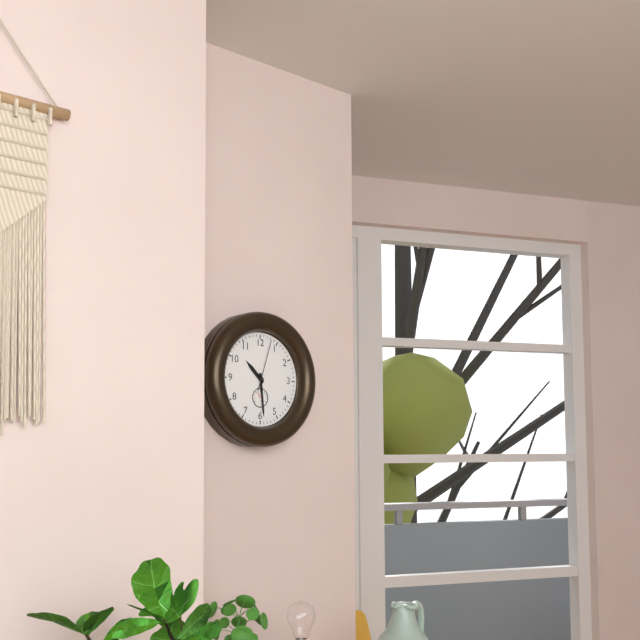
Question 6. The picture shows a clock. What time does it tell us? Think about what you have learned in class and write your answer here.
10:29:03
